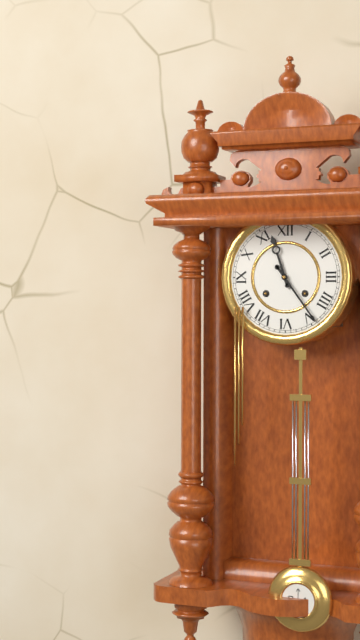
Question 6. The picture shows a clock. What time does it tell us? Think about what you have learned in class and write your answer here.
11:24
